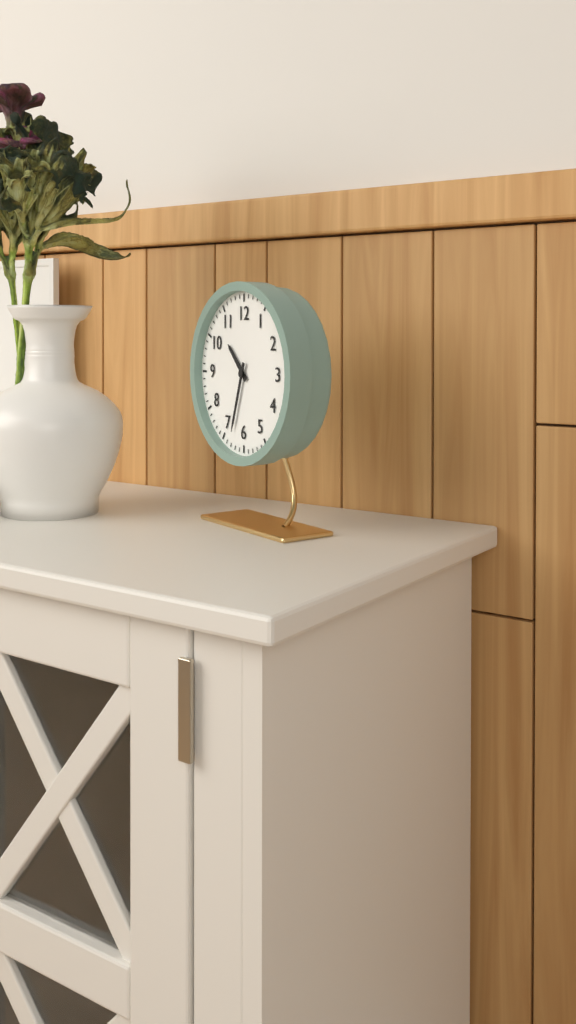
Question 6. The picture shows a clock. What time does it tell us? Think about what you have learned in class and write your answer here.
10:33
